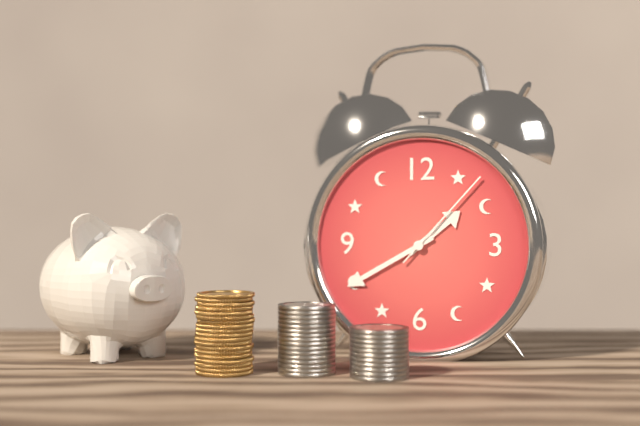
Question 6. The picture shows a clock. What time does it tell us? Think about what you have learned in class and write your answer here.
1:40:07
